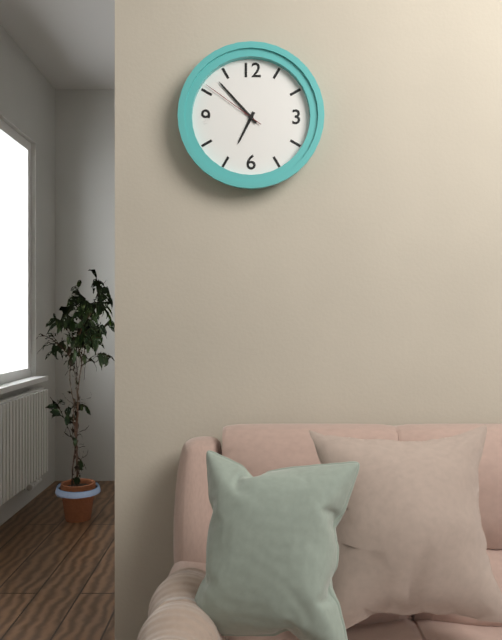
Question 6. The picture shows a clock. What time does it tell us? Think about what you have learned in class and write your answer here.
6:53:51
